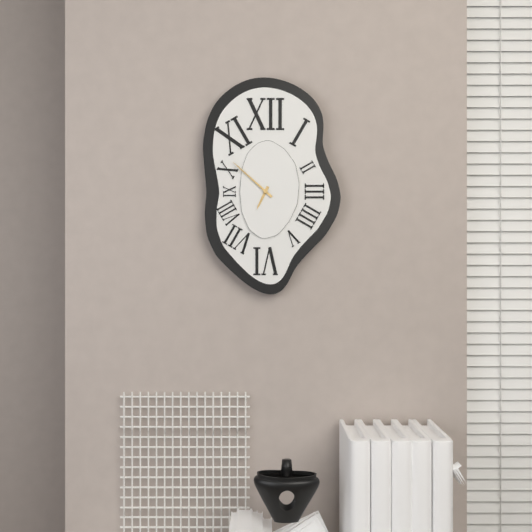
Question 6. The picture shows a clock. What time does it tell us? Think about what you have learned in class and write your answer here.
6:52
